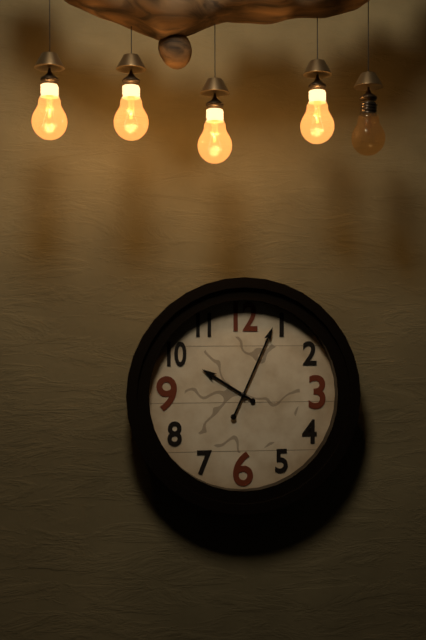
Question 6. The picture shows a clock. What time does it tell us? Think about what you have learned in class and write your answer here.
10:04
